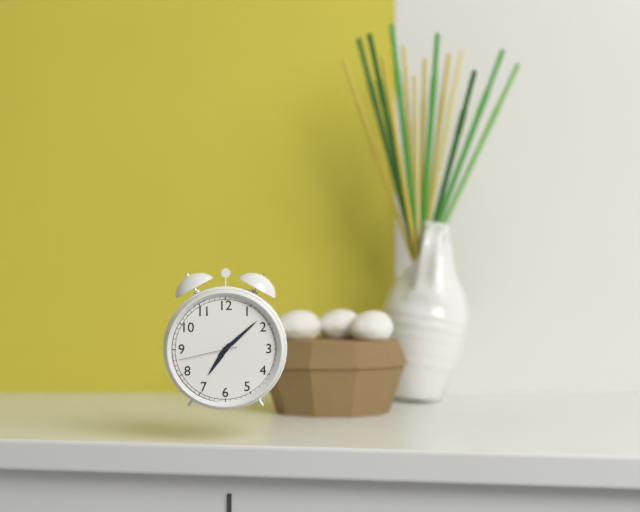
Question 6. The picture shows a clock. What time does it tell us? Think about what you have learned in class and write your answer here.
7:08:43
